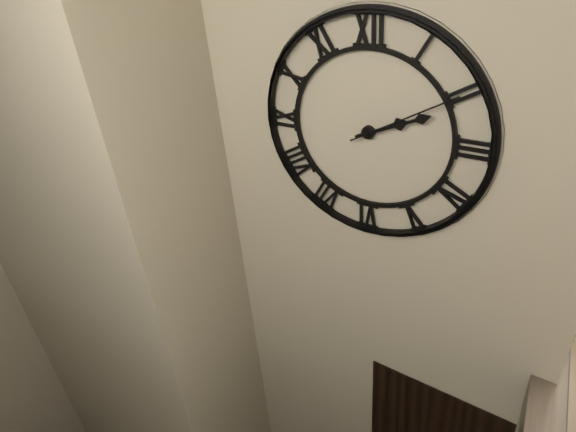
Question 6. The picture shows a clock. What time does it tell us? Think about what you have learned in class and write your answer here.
2:11:10
